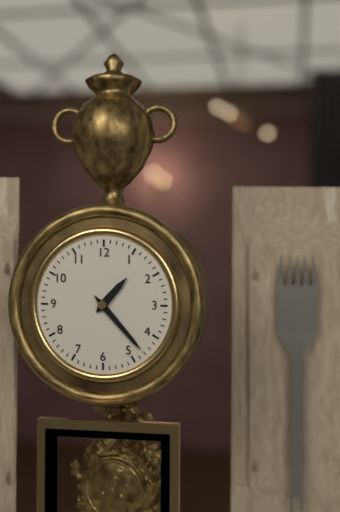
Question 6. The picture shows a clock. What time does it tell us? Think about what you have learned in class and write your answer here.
1:23
